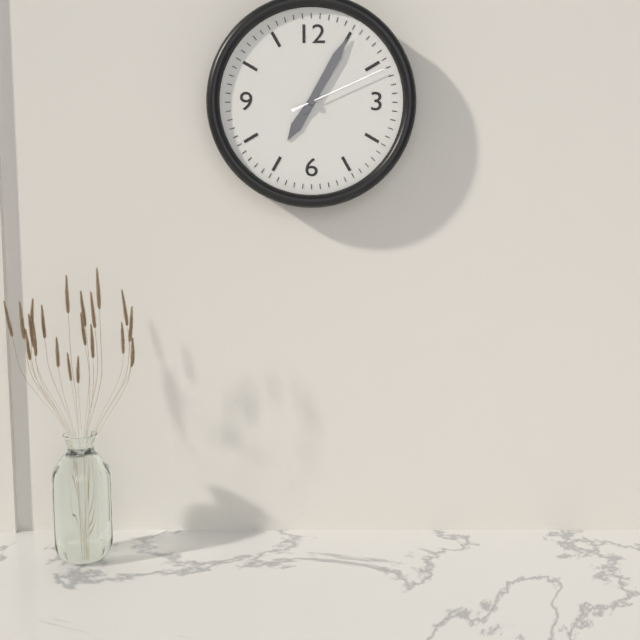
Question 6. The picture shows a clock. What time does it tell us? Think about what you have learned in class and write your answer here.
7:05:11
